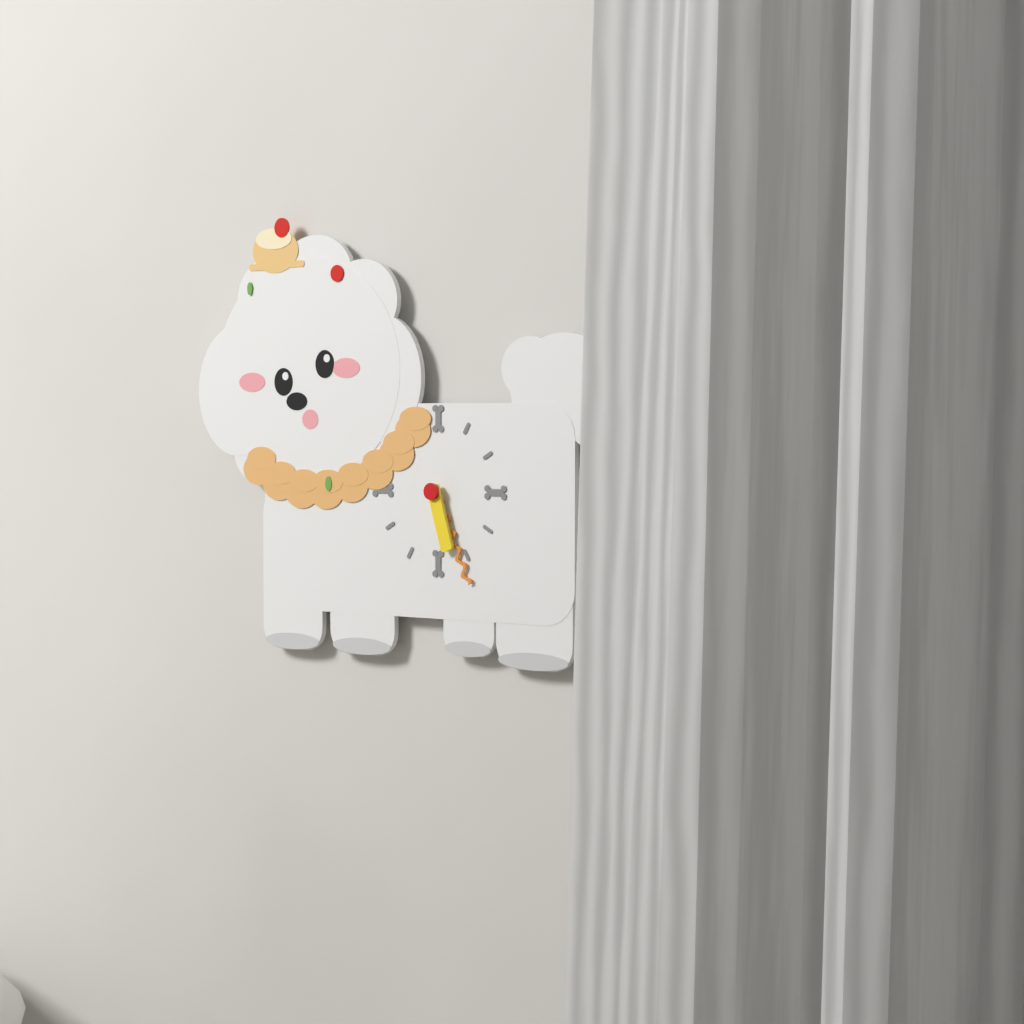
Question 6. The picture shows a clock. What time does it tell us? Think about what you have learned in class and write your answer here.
5:26
